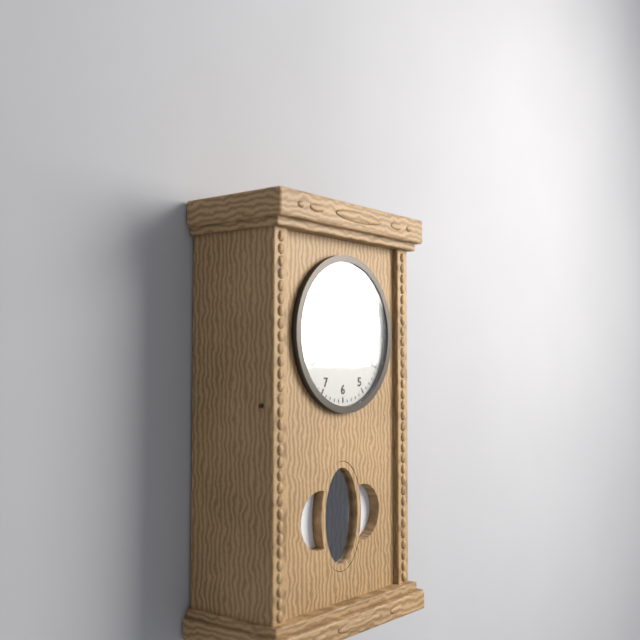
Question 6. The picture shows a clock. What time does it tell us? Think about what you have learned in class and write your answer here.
1:57
